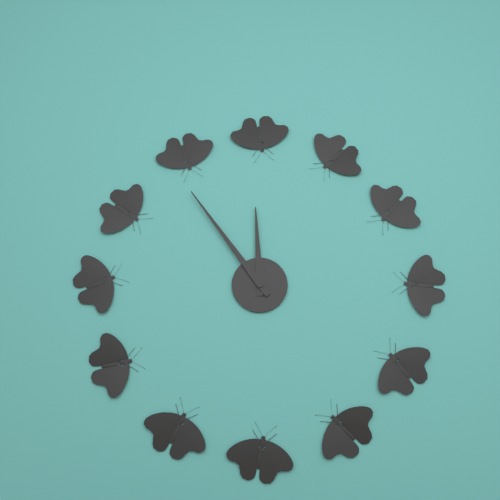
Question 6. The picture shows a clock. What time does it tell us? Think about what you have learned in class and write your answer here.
11:54
